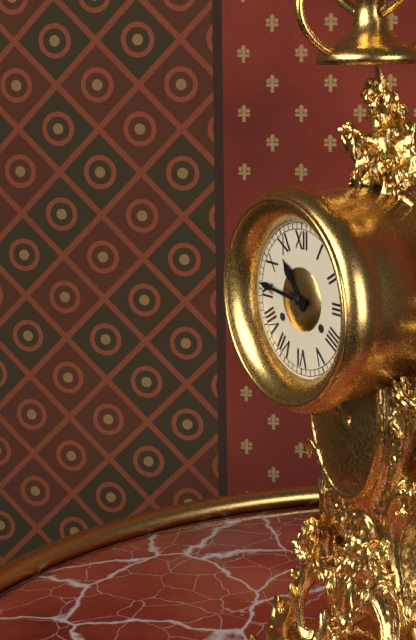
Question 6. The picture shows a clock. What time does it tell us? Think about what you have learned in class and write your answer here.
10:46
